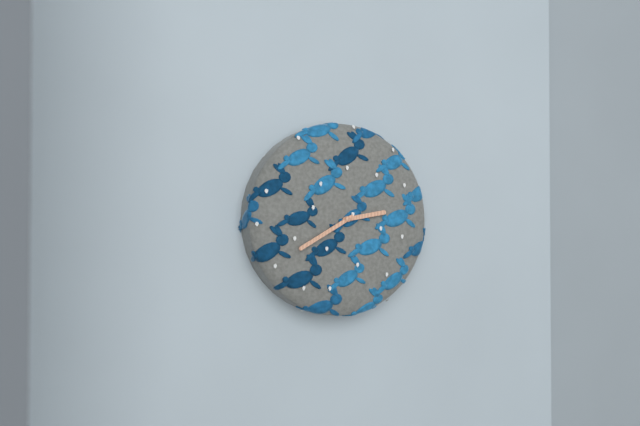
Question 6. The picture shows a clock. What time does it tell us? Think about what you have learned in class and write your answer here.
2:40
